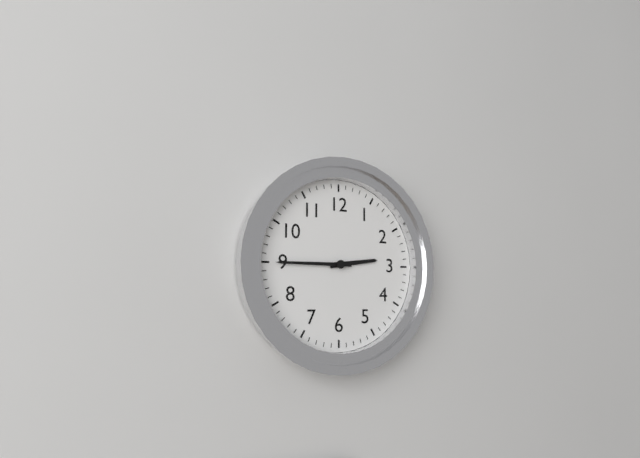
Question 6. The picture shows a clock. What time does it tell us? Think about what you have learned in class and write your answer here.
2:45
